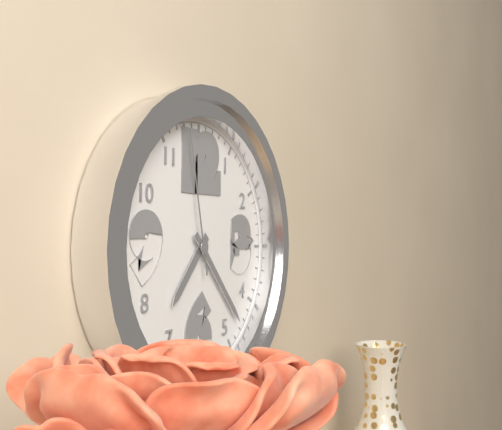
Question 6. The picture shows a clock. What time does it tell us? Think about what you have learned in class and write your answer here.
7:23:58
